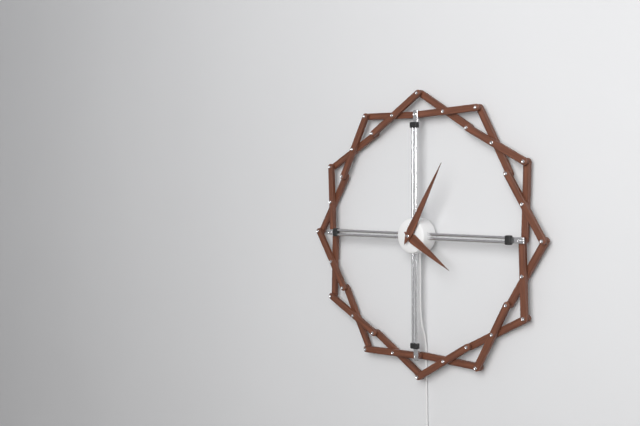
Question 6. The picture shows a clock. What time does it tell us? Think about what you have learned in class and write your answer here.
4:05
